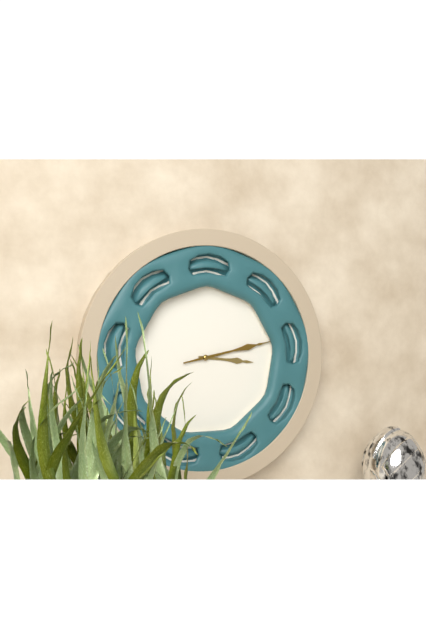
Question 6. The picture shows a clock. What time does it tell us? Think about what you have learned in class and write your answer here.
3:13
